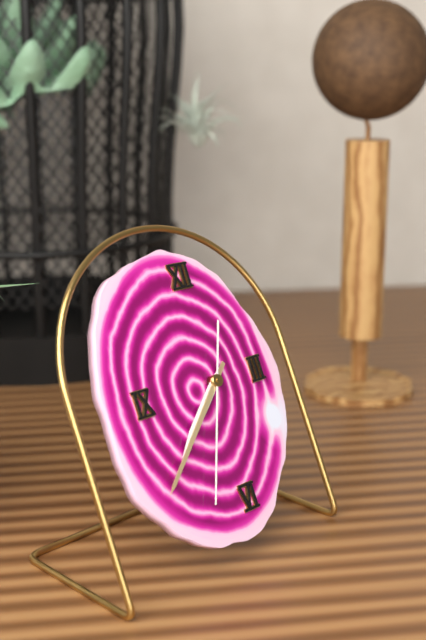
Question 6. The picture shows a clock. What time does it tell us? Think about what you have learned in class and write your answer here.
7:38:34
